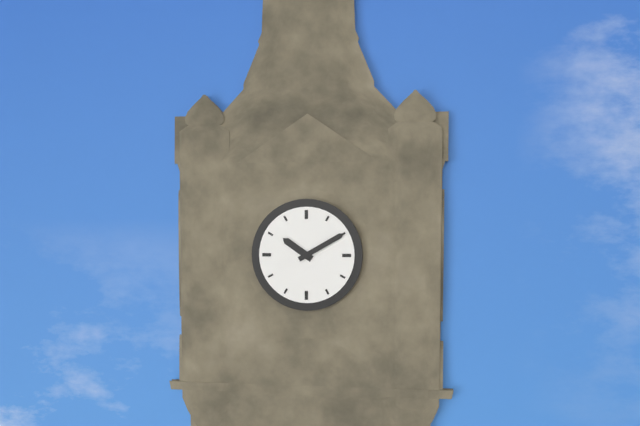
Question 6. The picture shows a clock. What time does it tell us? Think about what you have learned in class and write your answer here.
10:10
